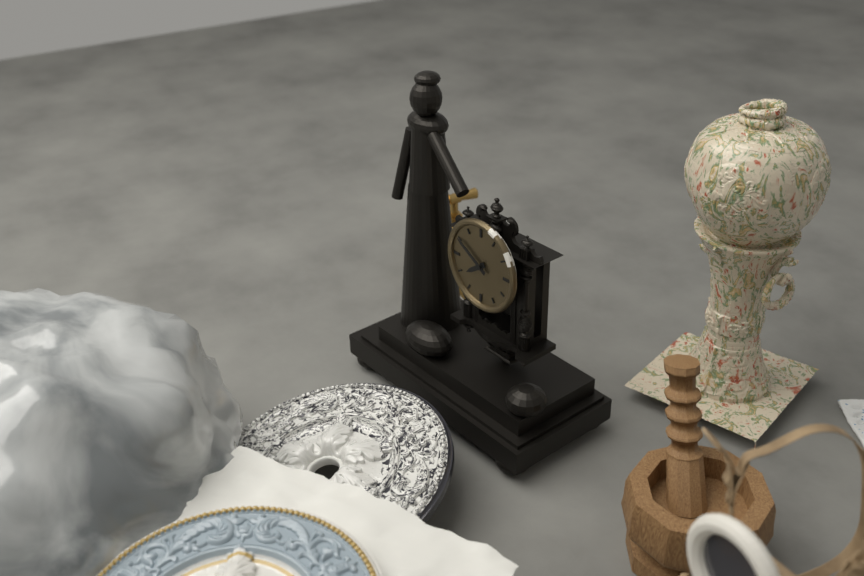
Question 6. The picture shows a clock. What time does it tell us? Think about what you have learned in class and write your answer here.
7:50
